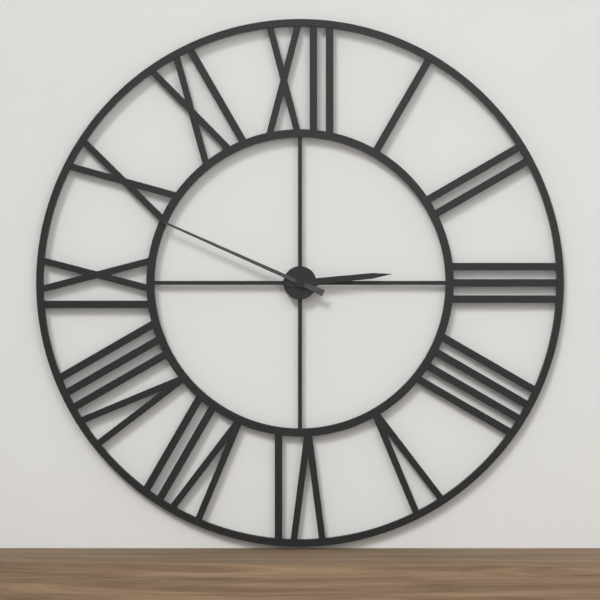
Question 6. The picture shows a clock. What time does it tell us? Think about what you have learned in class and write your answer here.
2:49
